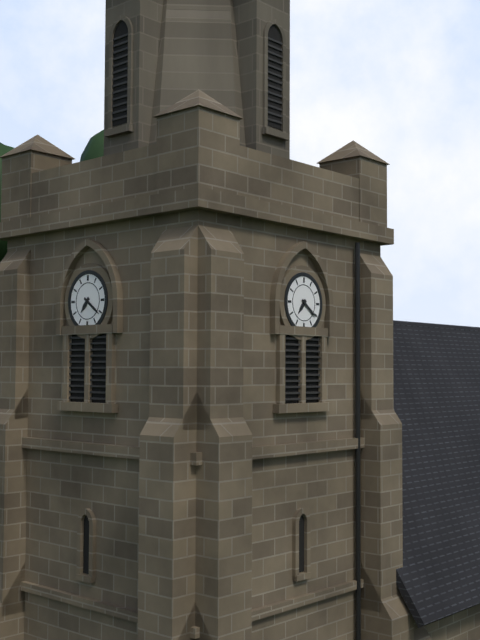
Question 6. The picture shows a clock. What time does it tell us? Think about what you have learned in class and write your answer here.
7:21
